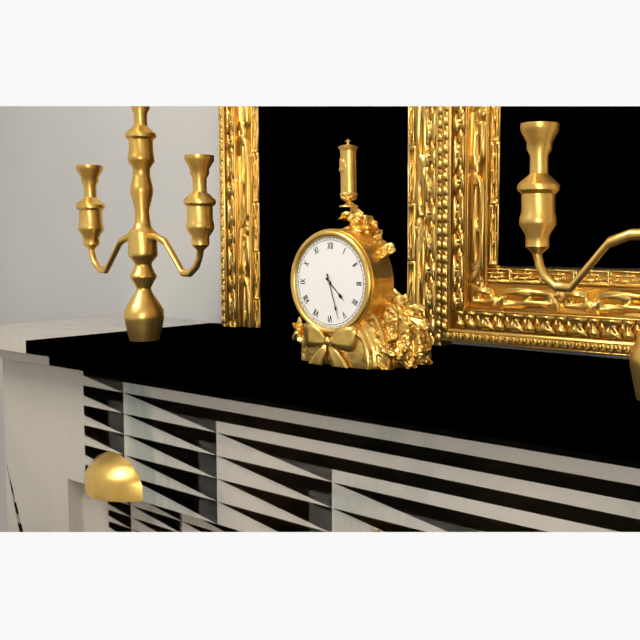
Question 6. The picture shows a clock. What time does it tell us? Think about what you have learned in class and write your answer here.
4:27
